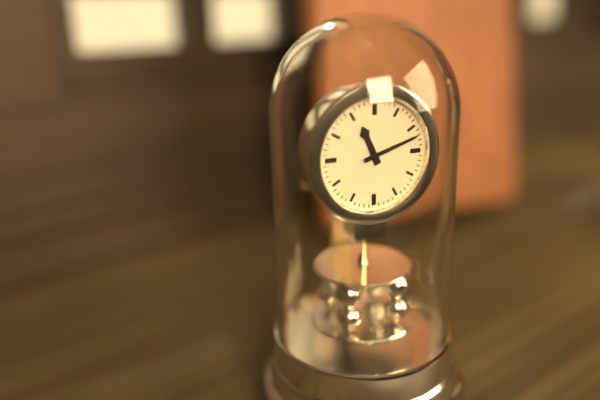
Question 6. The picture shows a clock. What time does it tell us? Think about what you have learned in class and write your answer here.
11:12
